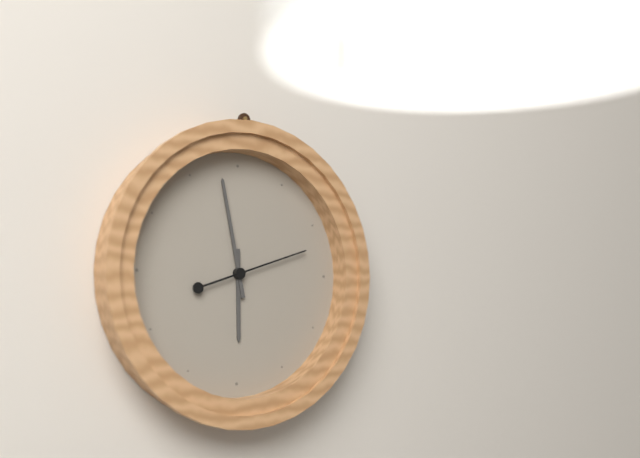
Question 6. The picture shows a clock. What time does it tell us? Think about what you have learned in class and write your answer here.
5:58:12
